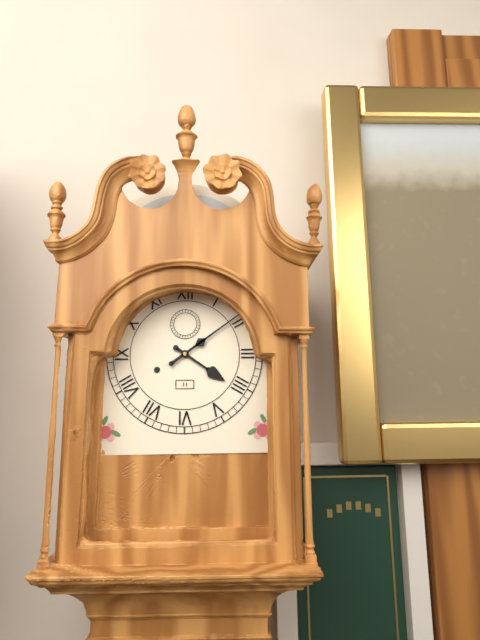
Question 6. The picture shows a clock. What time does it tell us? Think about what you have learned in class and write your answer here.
4:09
